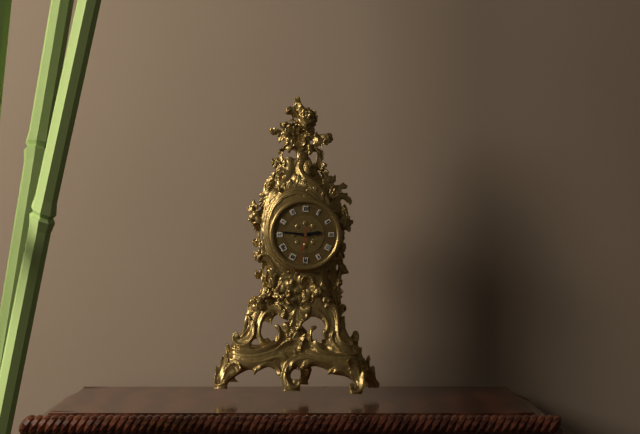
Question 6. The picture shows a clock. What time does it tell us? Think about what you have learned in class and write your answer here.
2:46
